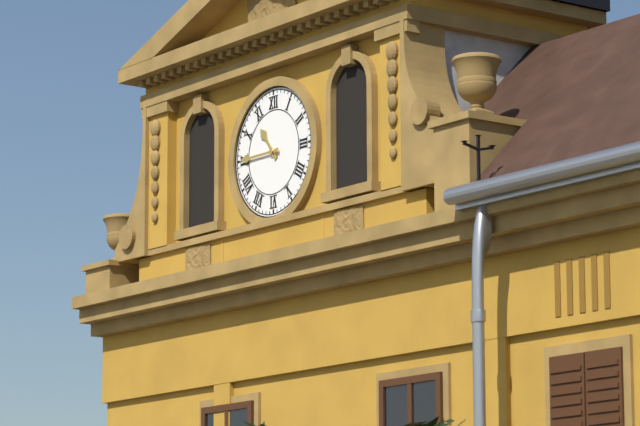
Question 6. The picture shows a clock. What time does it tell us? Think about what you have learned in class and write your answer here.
10:45
